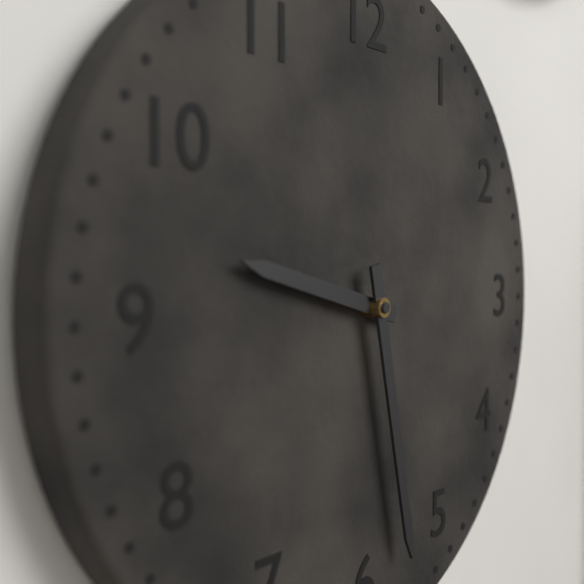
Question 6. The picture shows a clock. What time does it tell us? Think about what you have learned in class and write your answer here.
9:28
